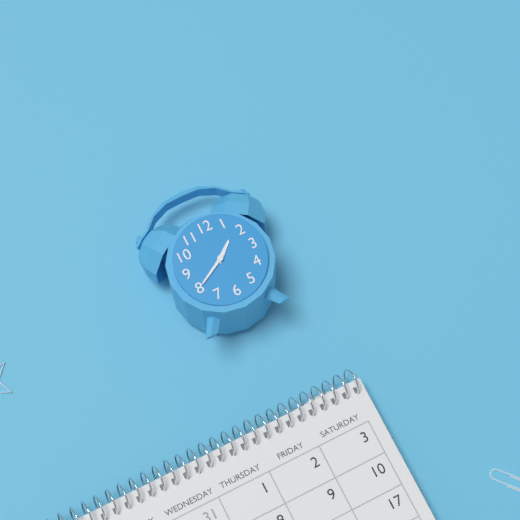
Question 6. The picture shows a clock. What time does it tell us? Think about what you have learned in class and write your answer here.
1:40
